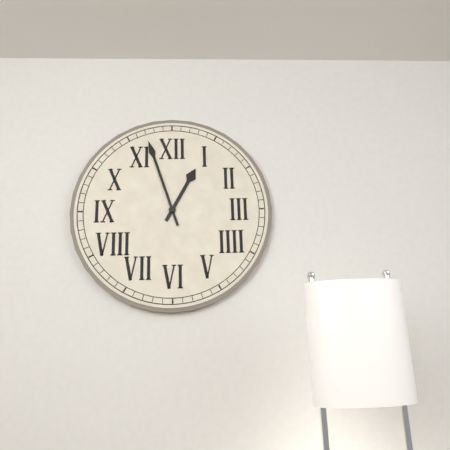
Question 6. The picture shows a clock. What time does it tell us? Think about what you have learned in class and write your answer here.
12:57
